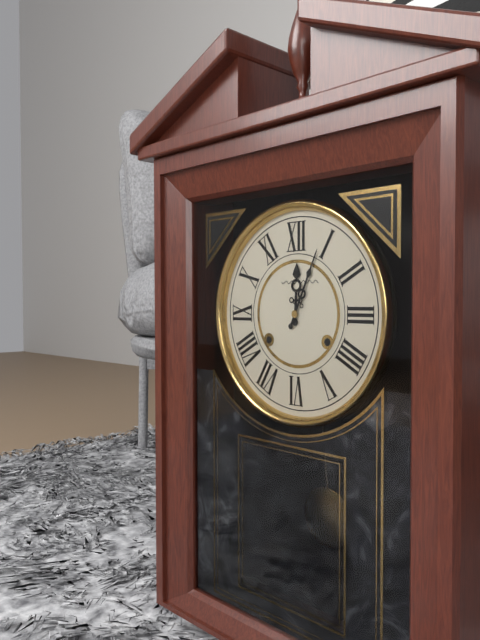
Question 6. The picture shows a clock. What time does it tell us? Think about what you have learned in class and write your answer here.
12:04
